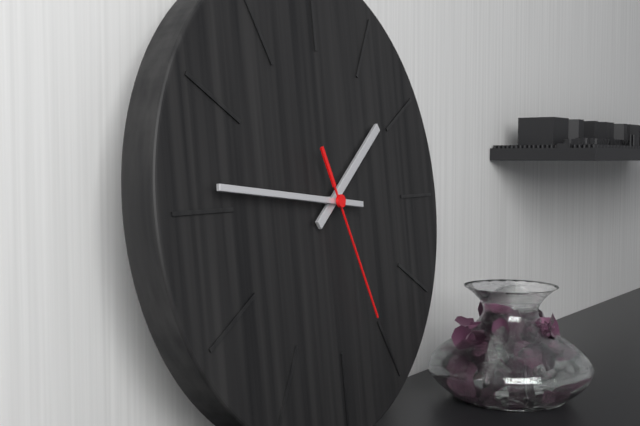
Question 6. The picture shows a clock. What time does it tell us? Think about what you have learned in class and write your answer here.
1:46:26
